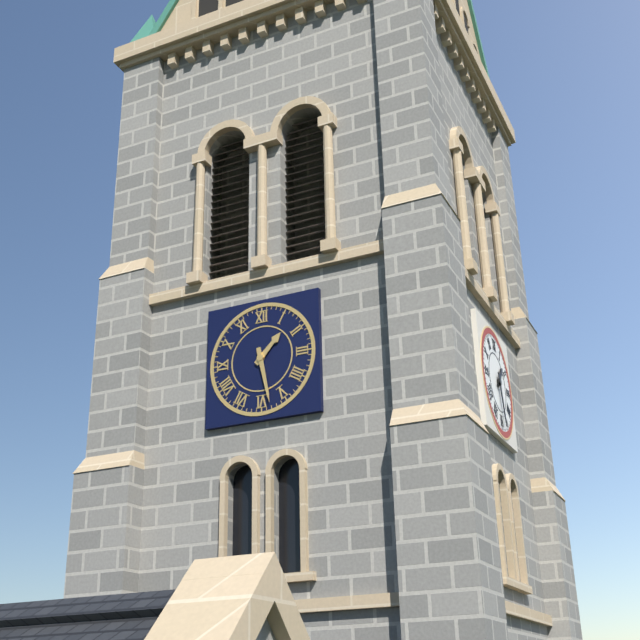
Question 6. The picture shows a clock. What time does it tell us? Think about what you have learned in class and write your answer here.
1:28
